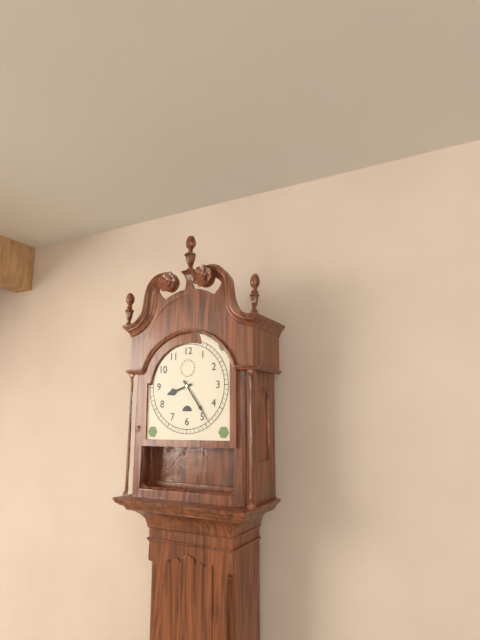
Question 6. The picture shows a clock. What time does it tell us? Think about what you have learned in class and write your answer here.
8:24
